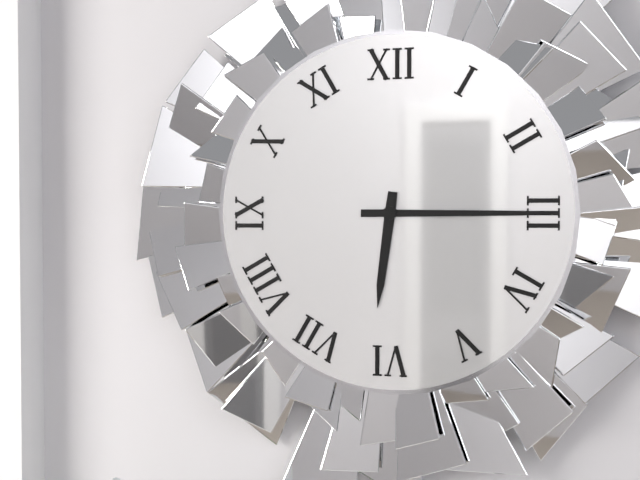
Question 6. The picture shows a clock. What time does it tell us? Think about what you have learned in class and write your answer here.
6:15
